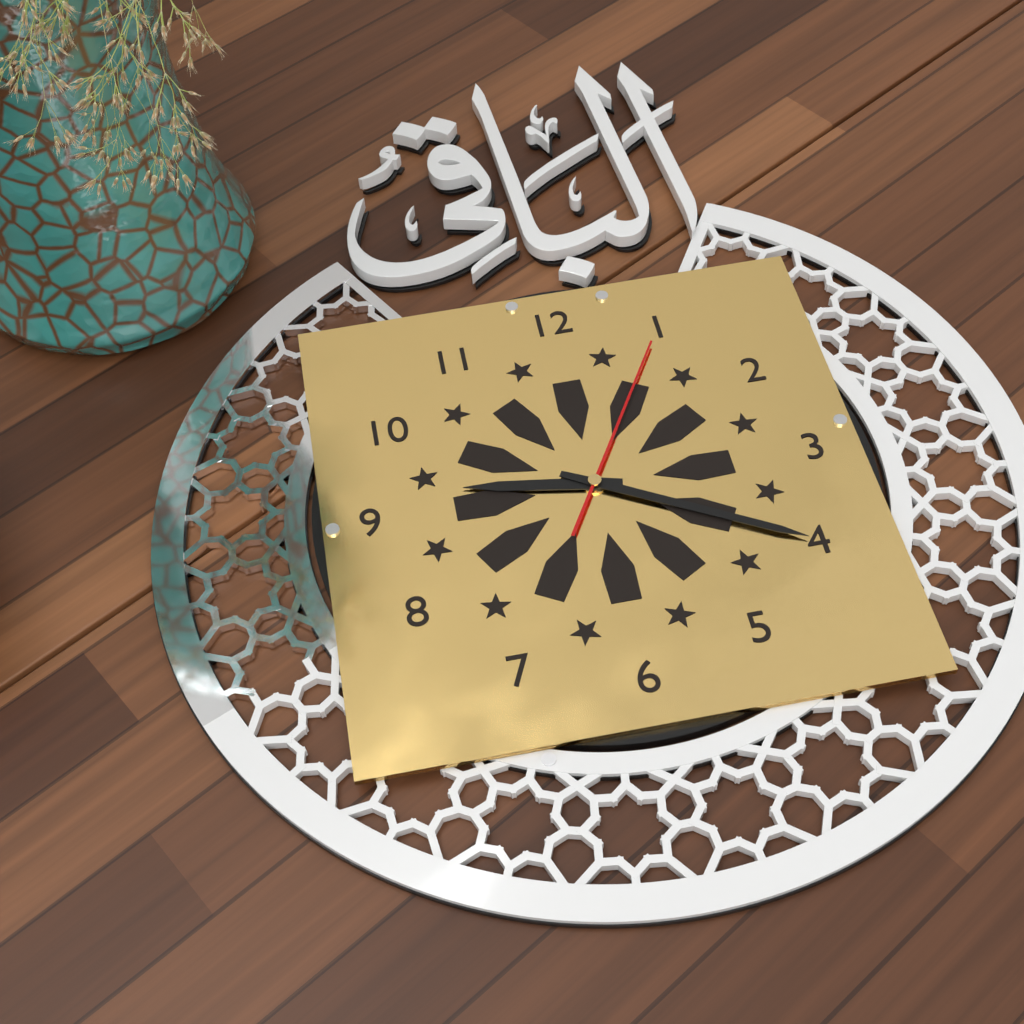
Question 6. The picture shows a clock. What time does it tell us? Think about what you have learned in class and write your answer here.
9:20:05
